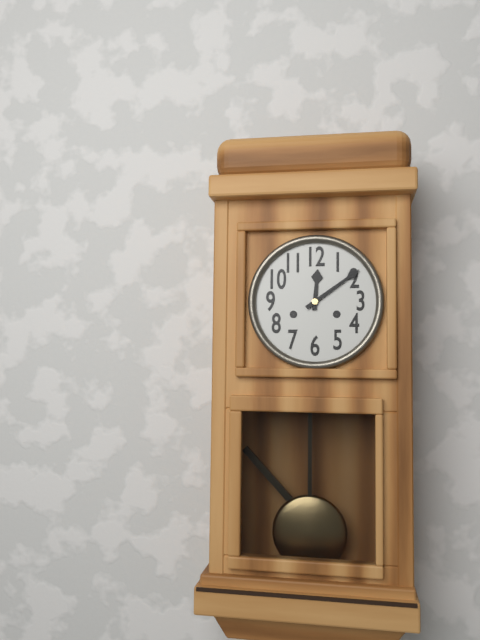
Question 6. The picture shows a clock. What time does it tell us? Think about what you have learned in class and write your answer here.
12:09
